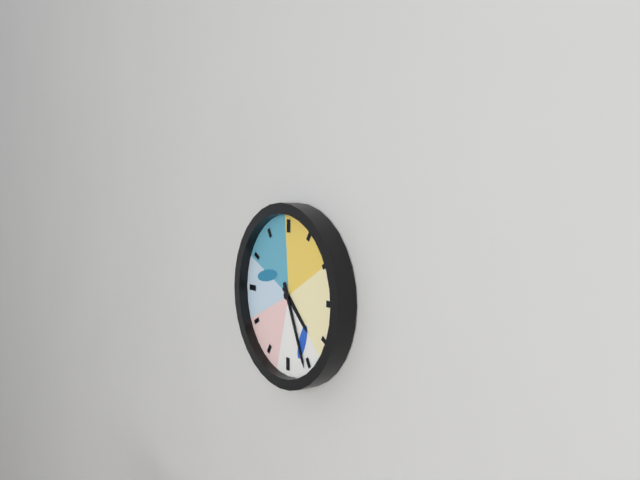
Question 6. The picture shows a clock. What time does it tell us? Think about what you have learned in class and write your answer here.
4:26
